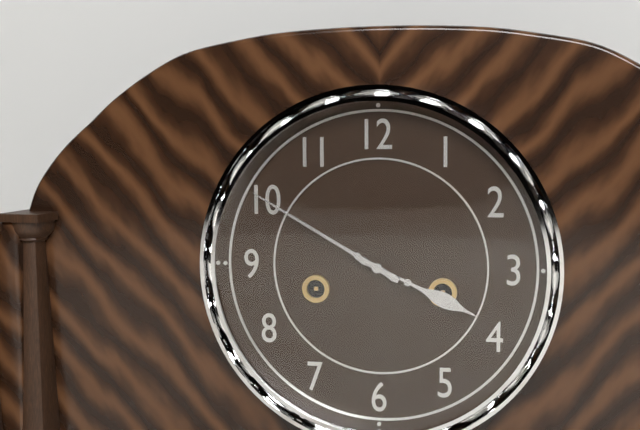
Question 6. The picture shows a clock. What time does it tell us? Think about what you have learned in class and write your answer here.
3:50
